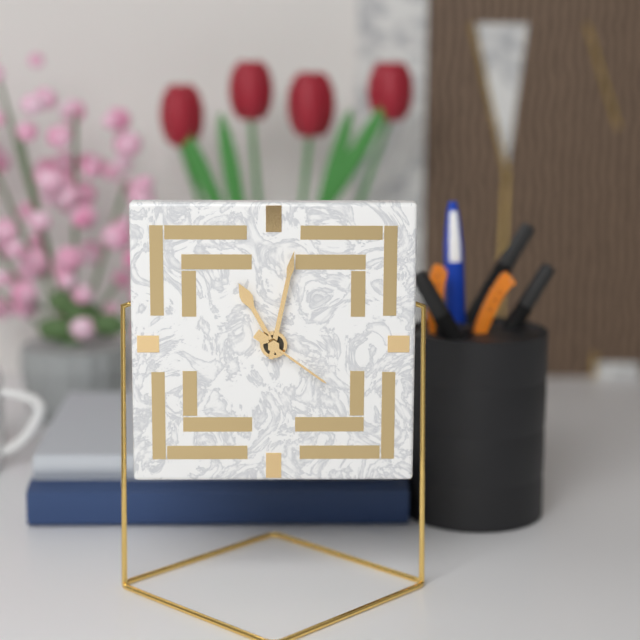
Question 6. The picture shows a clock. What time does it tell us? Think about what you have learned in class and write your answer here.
11:02:21
